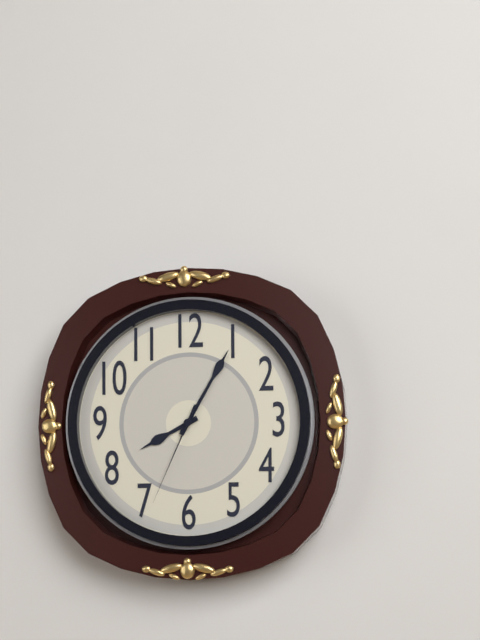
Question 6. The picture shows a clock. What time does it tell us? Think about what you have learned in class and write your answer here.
8:05:34
